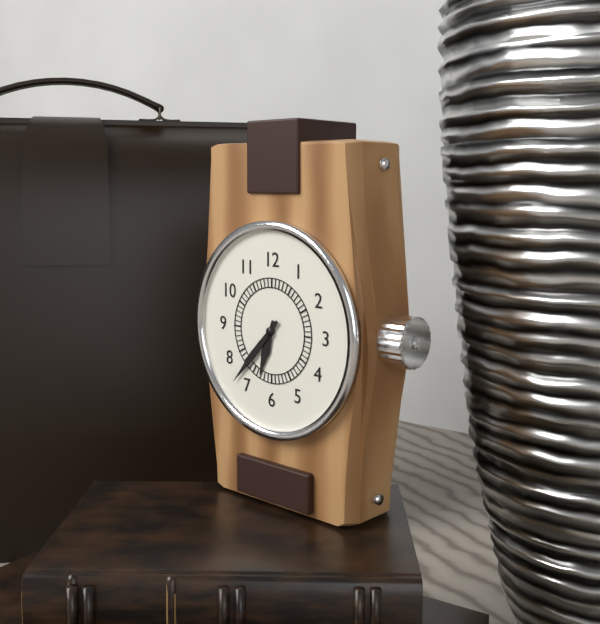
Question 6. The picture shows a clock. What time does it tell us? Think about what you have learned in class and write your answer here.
6:37
